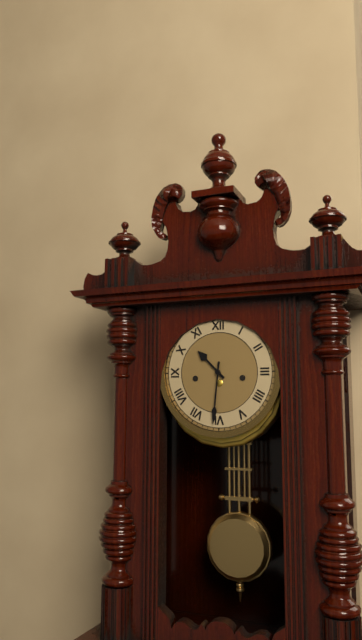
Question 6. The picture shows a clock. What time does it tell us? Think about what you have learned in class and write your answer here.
10:31
